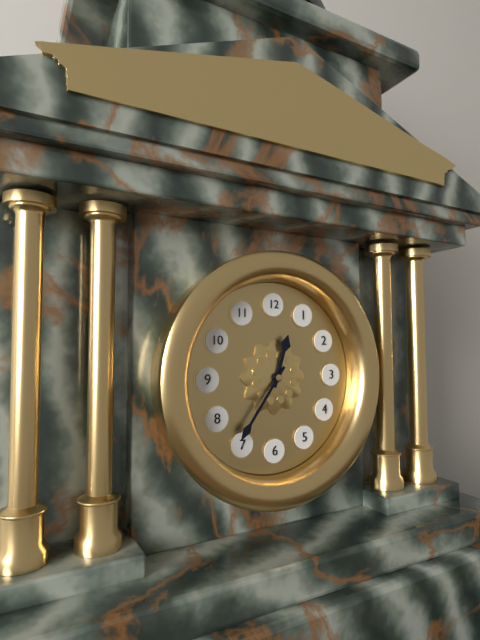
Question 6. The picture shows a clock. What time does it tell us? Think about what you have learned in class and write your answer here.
12:36
